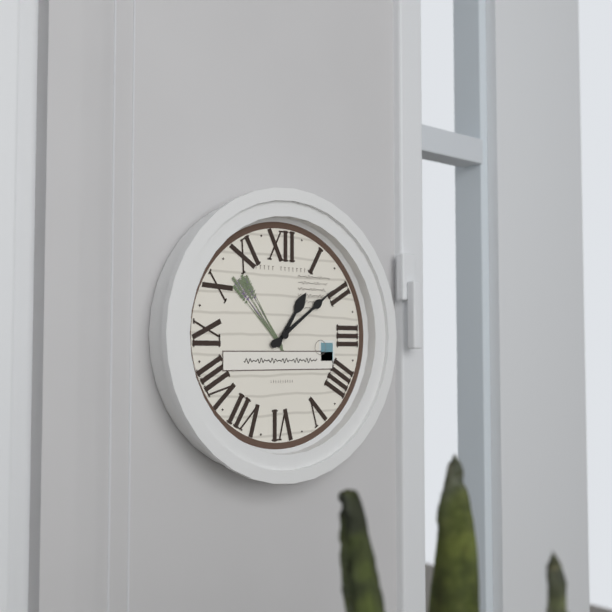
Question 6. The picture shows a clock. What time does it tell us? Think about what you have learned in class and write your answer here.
1:09
